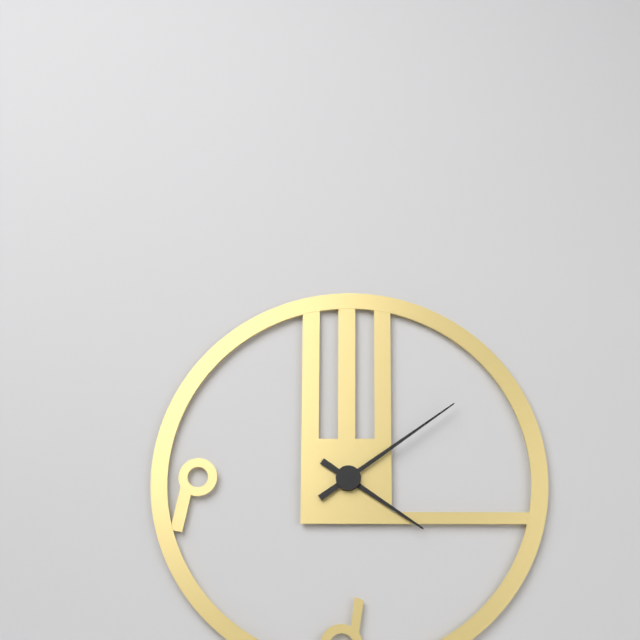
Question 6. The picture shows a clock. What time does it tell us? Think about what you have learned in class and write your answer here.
4:09
